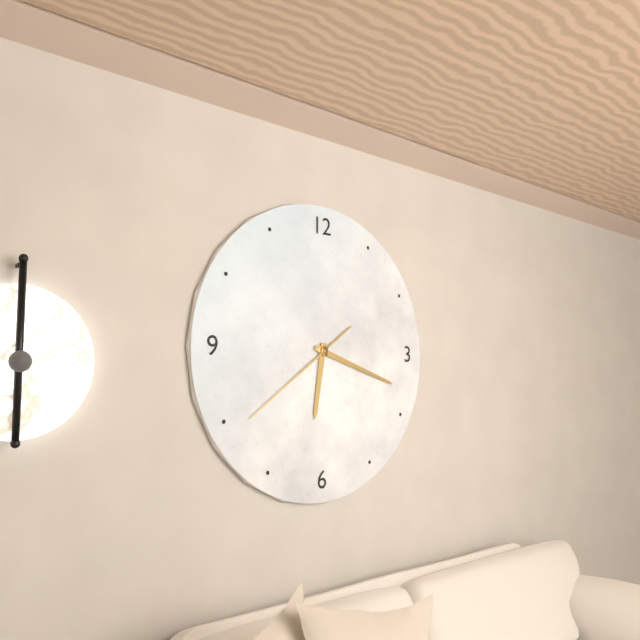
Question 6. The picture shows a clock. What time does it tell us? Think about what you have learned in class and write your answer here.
6:18:39
